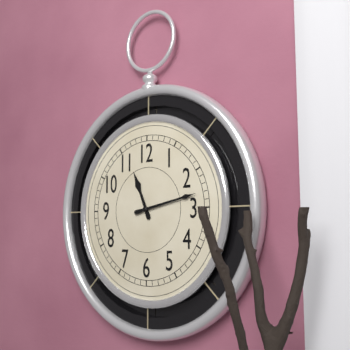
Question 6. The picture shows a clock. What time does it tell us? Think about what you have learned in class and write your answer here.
11:13
